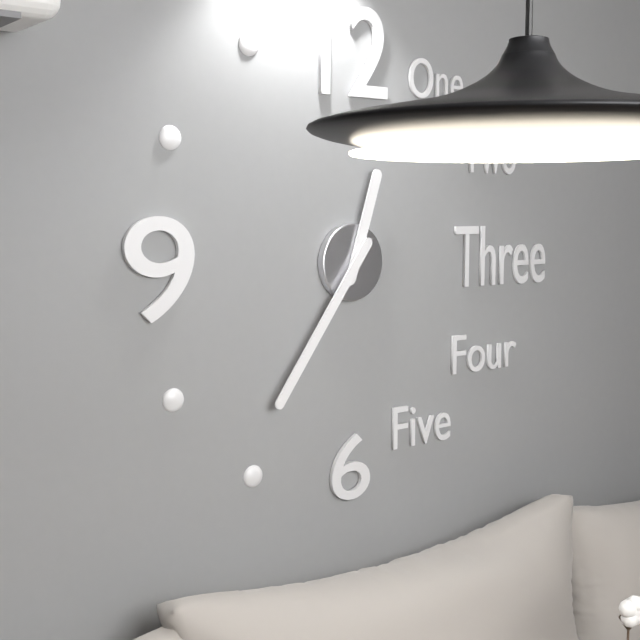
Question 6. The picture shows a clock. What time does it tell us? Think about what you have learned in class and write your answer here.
12:36
